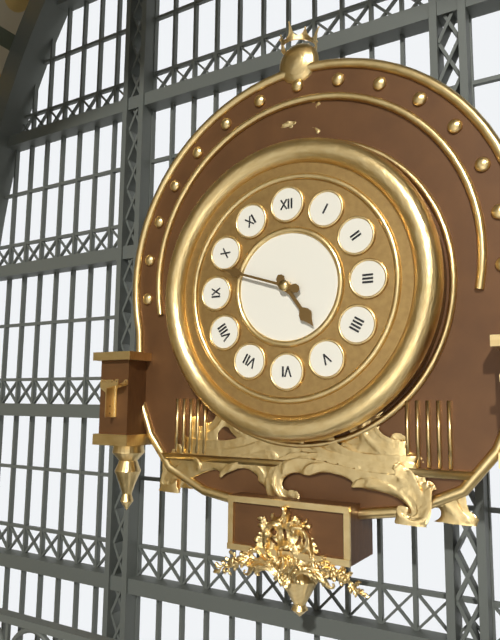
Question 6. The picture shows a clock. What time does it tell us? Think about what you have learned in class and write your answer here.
4:48
